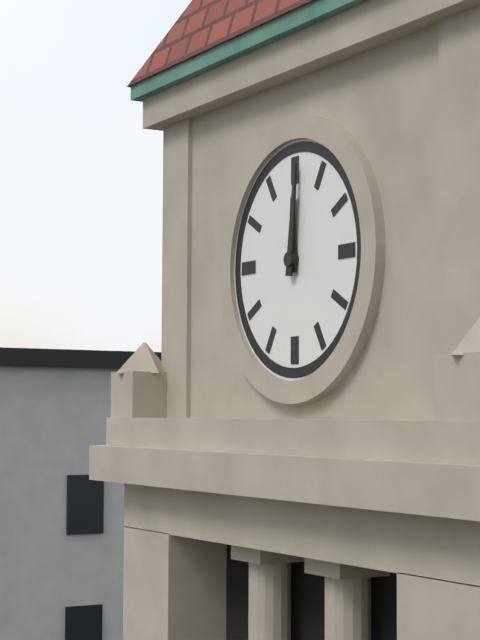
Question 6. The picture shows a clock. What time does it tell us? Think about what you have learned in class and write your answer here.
12:01
